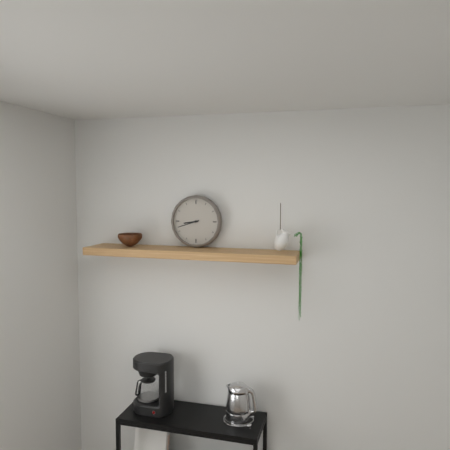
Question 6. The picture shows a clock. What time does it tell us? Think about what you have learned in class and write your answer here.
8:42
